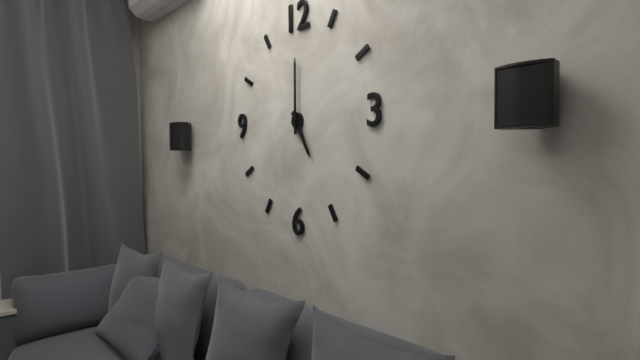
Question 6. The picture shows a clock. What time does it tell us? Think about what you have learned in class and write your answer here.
5:00
